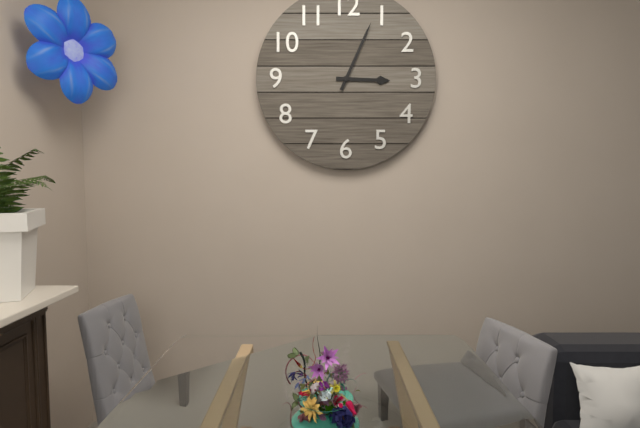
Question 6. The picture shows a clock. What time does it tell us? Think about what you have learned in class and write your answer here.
3:04
